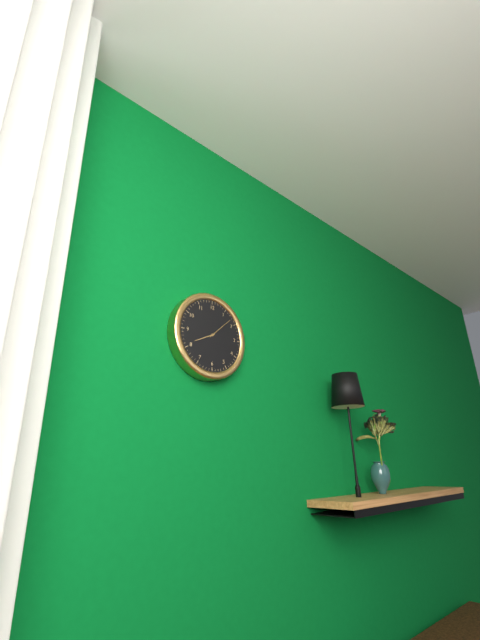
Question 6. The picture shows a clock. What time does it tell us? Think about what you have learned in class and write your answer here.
8:08
